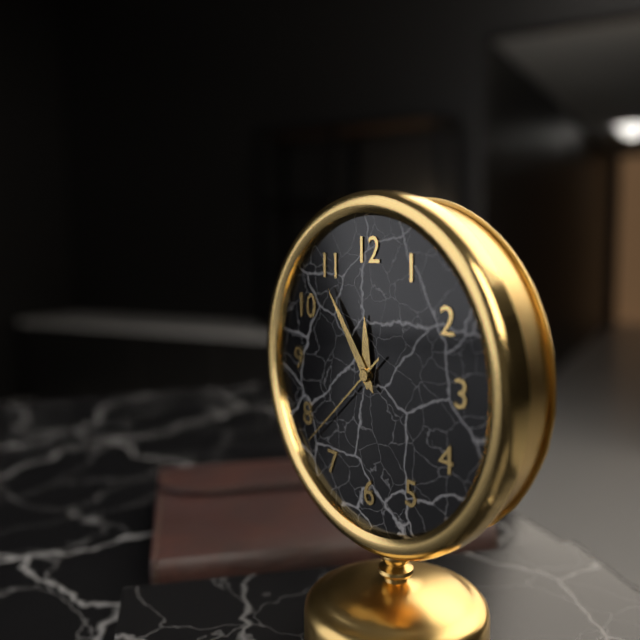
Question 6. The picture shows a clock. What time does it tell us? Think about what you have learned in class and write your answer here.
11:54:38
